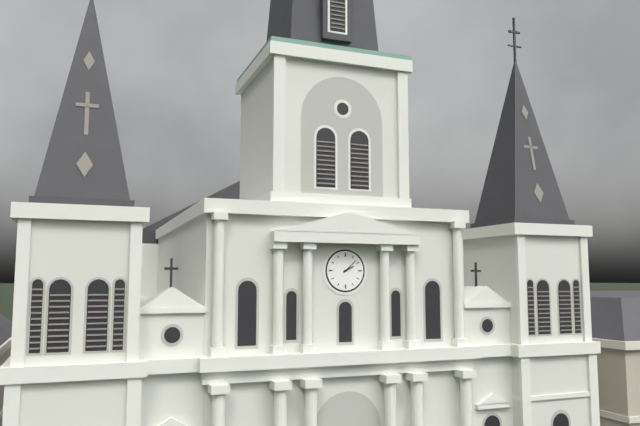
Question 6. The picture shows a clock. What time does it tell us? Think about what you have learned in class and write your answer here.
2:08
